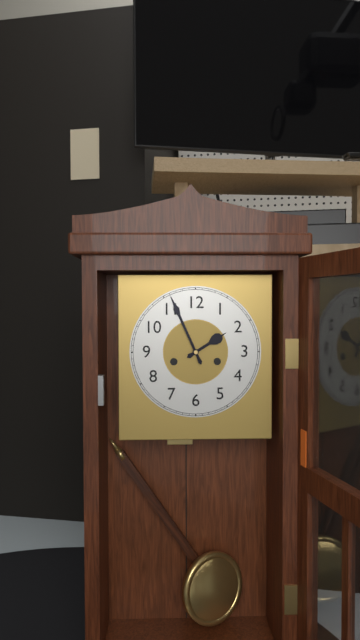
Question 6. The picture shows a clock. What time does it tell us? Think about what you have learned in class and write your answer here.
1:56
